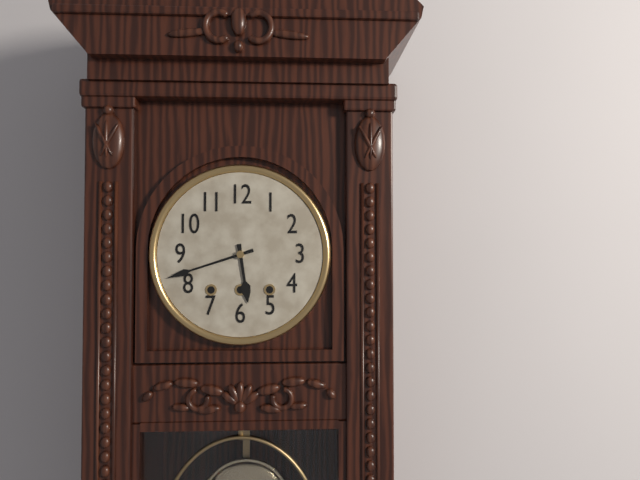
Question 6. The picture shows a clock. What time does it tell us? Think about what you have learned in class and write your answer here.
5:42
